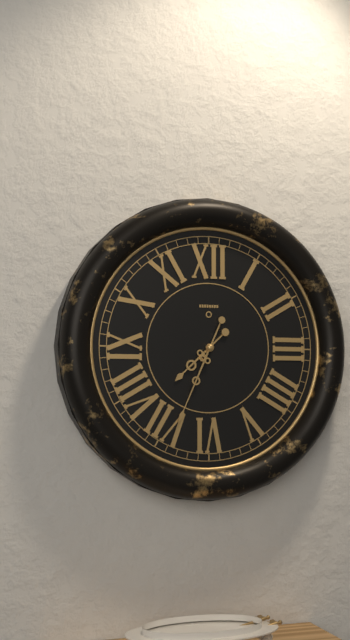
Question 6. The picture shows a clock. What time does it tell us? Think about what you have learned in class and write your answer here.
7:34
